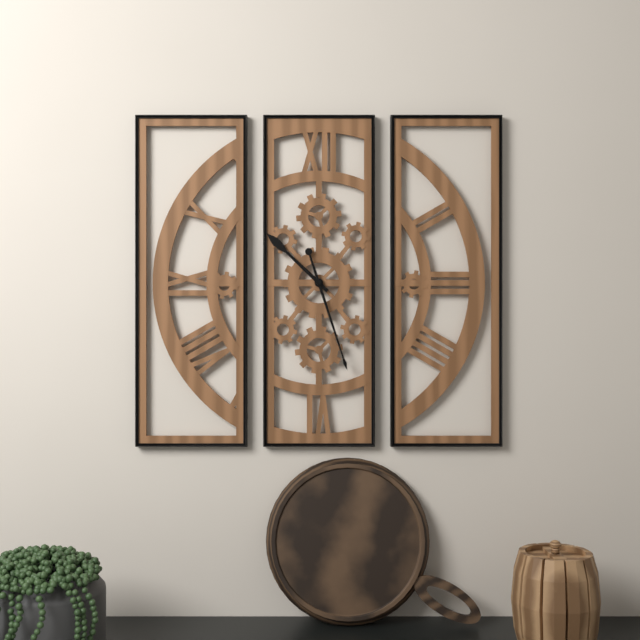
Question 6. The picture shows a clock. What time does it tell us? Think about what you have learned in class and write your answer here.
10:27
